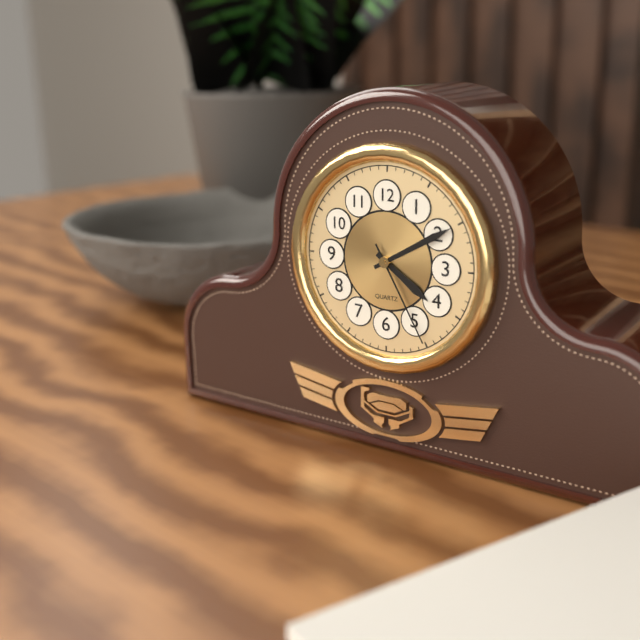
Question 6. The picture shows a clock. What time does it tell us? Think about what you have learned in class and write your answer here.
4:10:25
